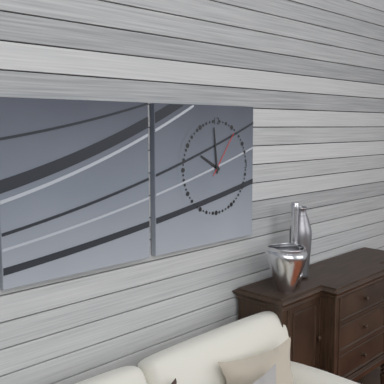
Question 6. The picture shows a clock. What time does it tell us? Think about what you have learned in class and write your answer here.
9:59
